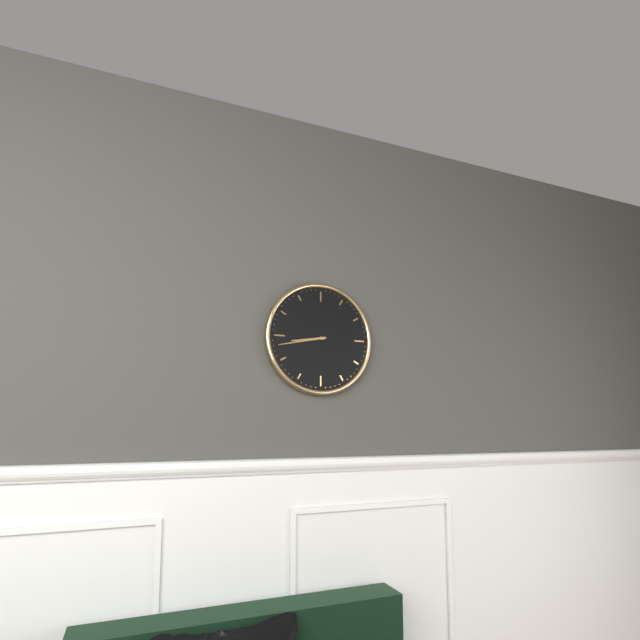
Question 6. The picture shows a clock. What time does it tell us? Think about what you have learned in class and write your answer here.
8:43
